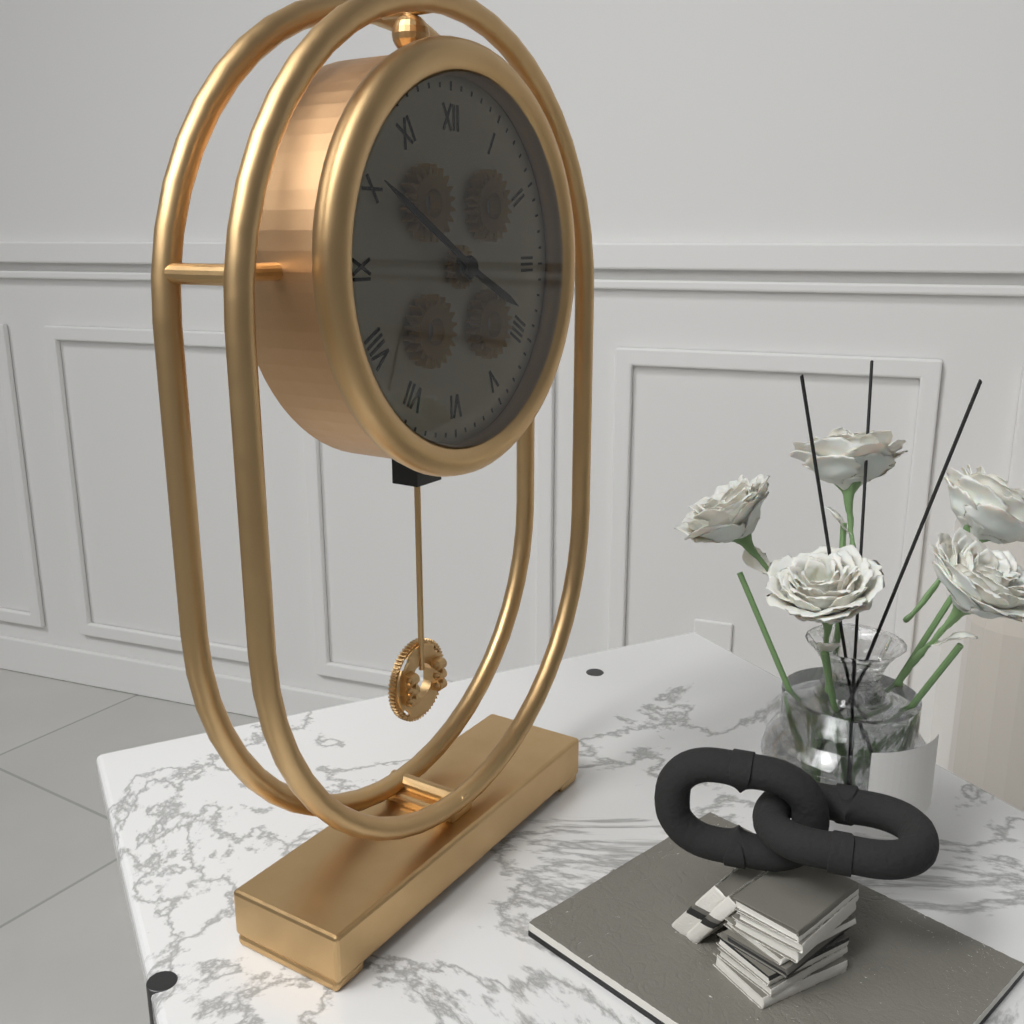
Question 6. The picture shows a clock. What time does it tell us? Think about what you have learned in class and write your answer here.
3:50
